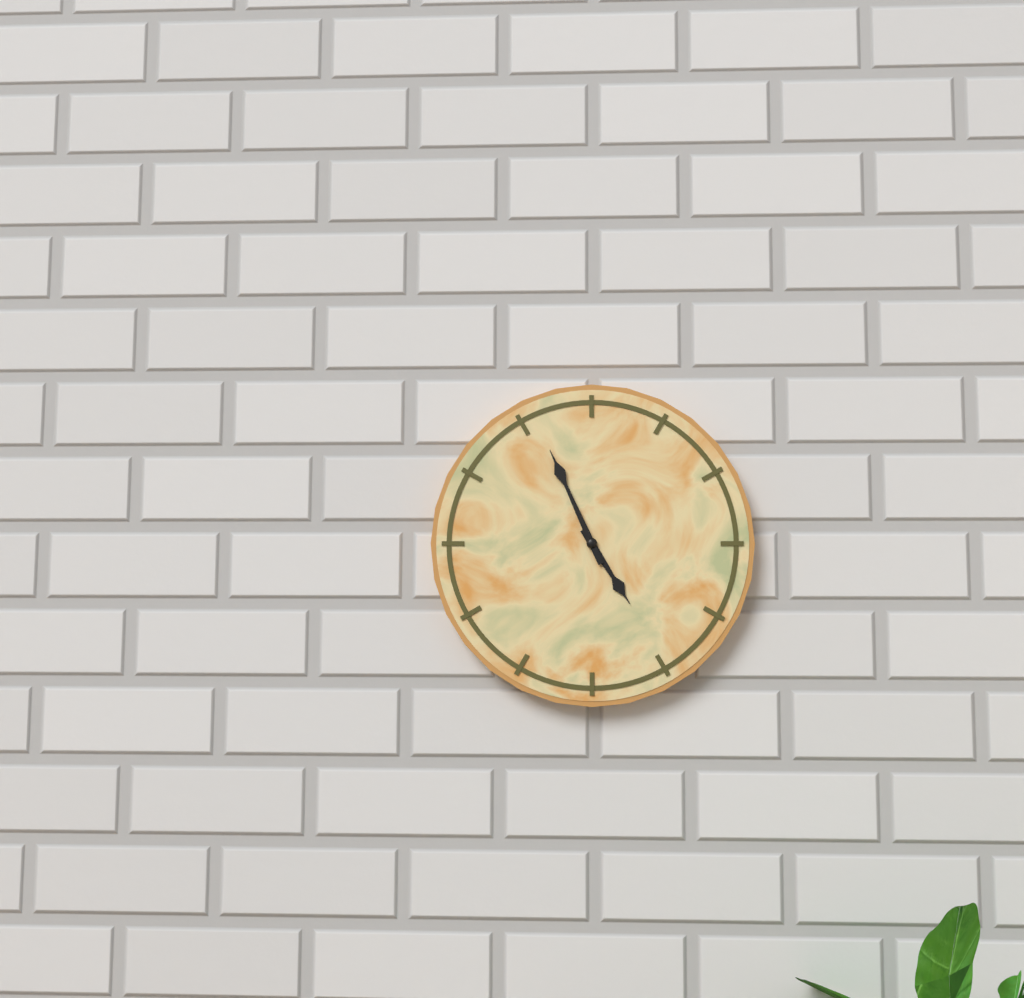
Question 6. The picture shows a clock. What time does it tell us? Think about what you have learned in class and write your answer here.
4:56
